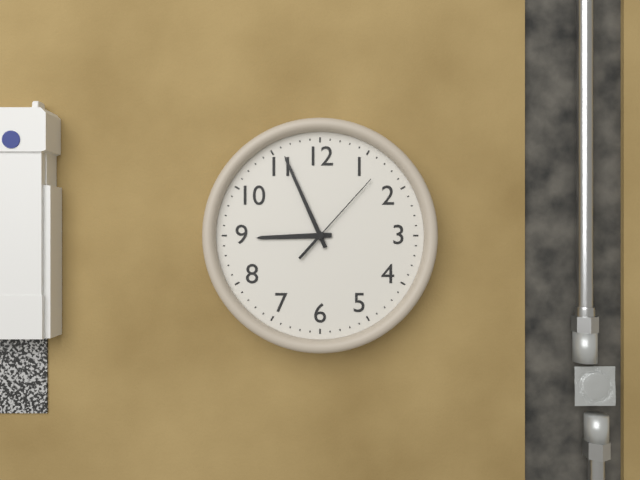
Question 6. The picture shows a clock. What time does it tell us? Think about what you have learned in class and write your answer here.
8:56:07
